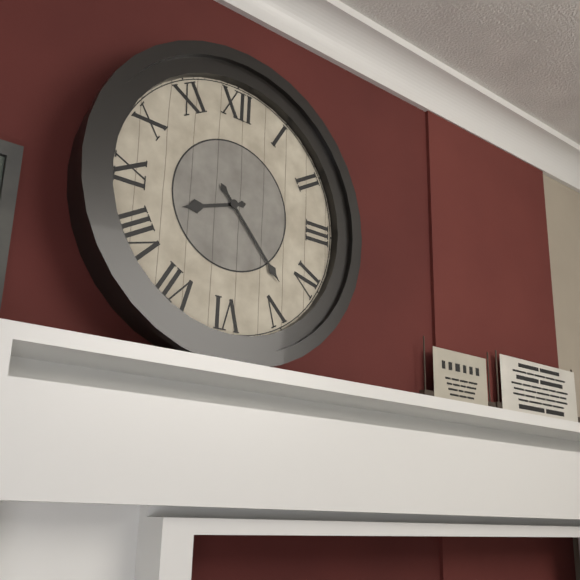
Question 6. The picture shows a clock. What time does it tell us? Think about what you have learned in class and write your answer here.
8:23
